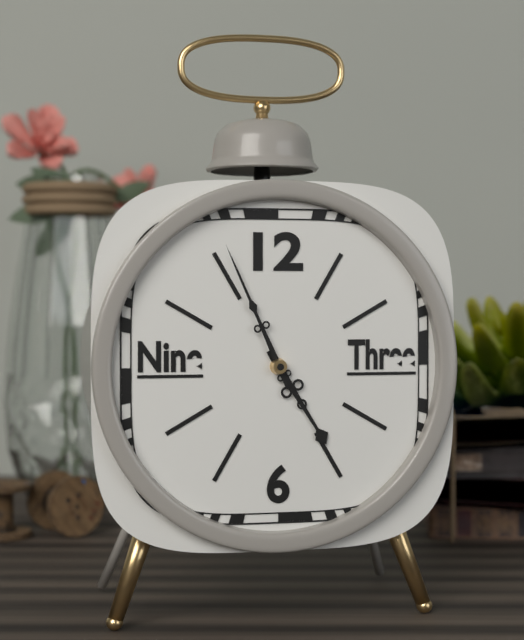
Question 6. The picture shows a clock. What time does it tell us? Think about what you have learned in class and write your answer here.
4:56
